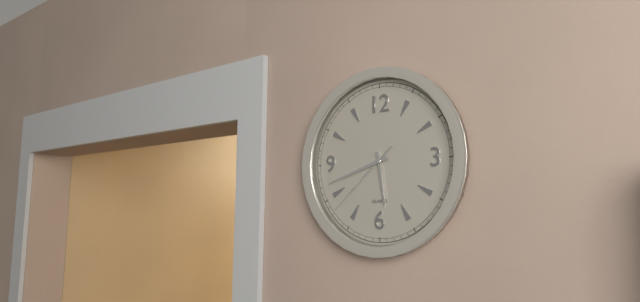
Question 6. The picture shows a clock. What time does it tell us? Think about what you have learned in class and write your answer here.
5:42:38
